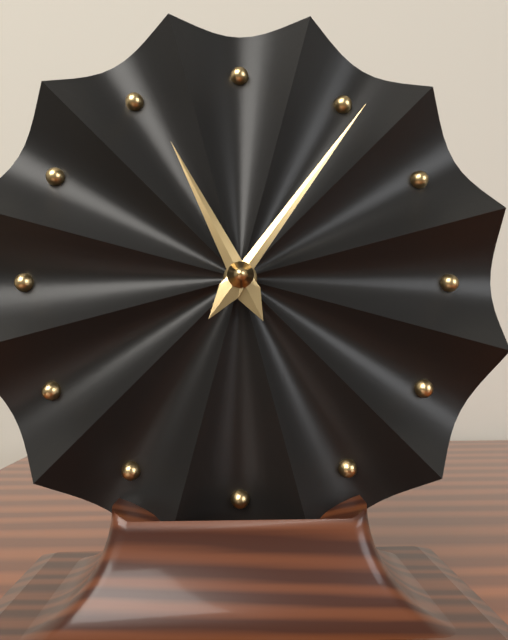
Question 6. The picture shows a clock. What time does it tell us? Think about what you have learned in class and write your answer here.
11:06
